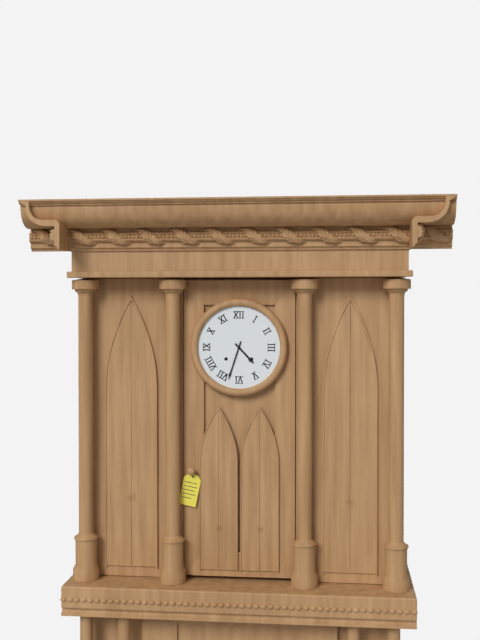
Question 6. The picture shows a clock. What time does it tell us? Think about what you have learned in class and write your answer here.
4:33
